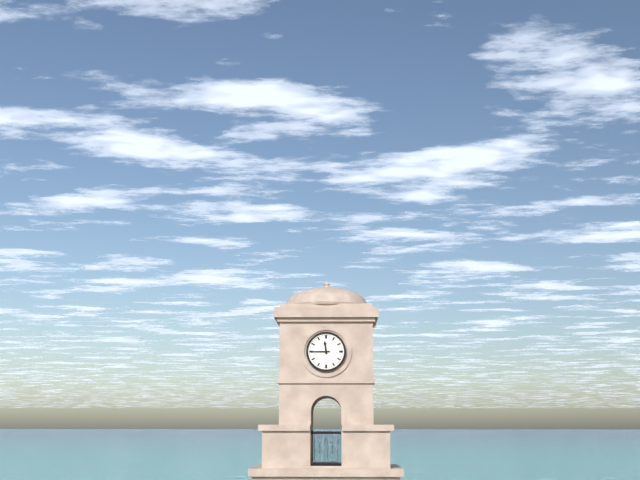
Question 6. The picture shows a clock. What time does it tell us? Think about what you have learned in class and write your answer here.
11:45
